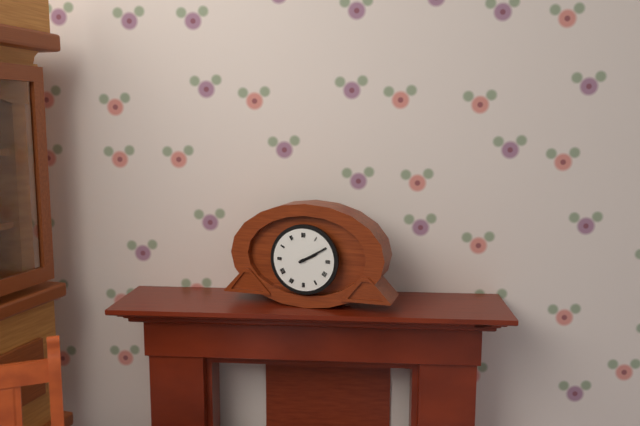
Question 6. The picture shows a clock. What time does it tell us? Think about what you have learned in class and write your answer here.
2:10
